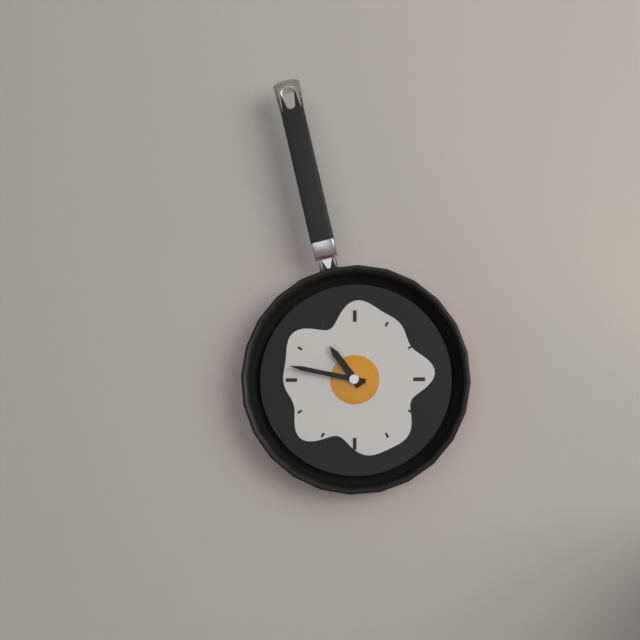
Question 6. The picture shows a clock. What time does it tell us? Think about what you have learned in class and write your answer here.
10:47
